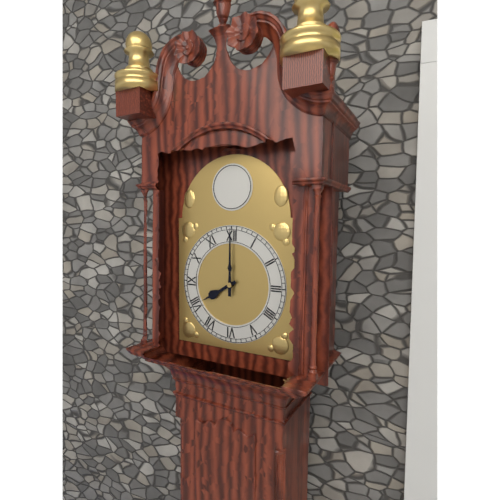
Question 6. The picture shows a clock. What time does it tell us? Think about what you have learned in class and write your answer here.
8:00
